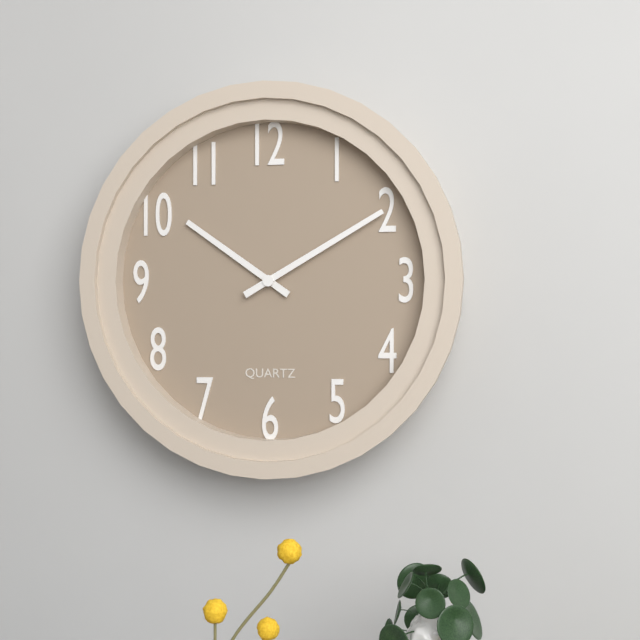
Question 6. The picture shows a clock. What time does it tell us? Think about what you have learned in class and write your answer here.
10:10
